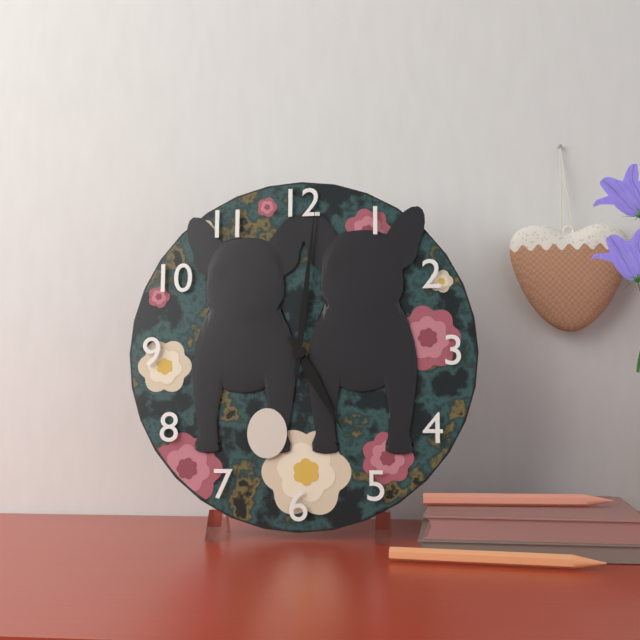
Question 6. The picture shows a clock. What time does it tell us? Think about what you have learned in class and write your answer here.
5:01
